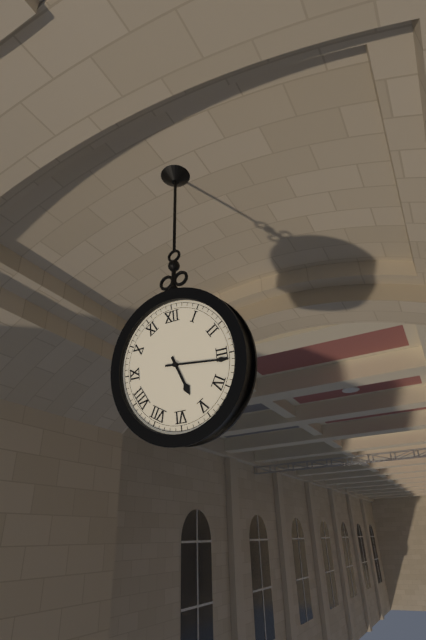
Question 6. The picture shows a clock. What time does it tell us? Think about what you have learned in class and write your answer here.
5:16
